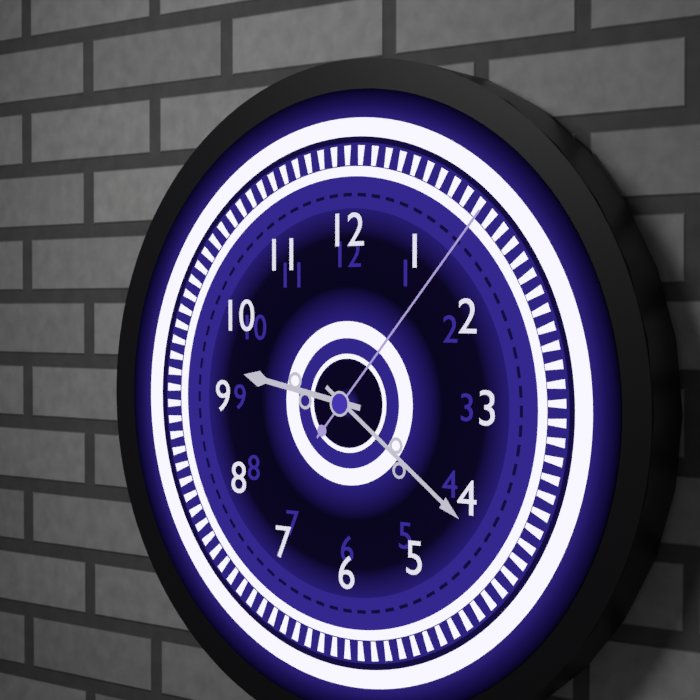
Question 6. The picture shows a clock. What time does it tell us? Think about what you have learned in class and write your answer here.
9:21:07
